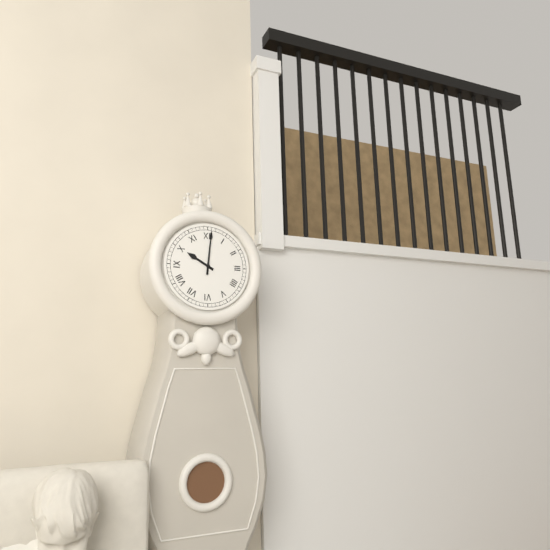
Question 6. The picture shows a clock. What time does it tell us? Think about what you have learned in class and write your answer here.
10:01
